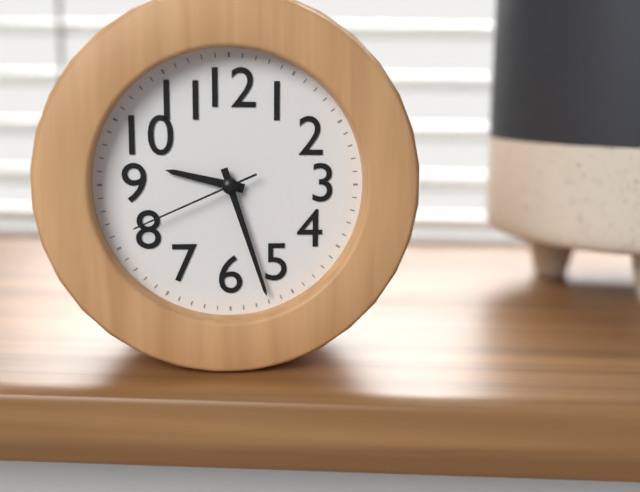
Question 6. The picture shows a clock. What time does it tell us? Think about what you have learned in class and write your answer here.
9:27:41
